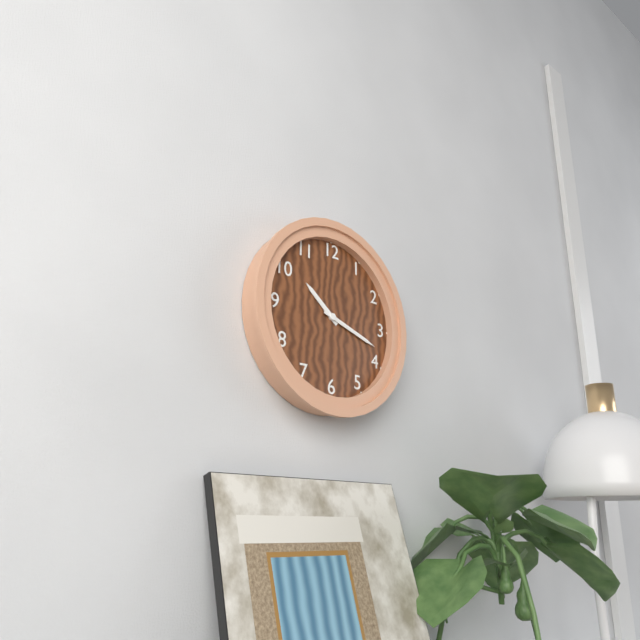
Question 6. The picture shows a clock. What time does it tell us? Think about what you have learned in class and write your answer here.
10:18
